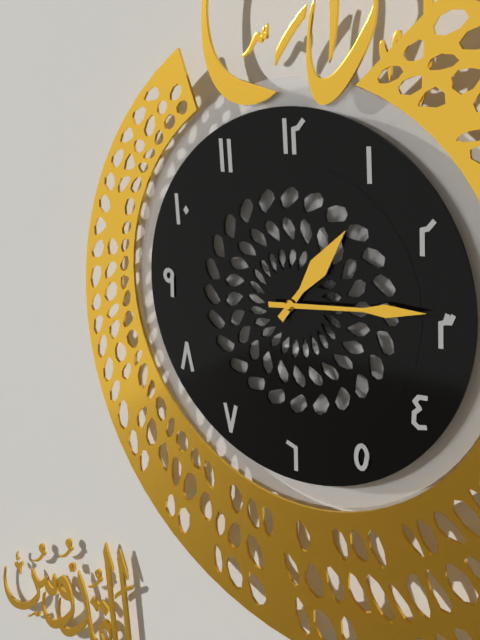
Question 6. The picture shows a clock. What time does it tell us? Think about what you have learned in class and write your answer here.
1:14
